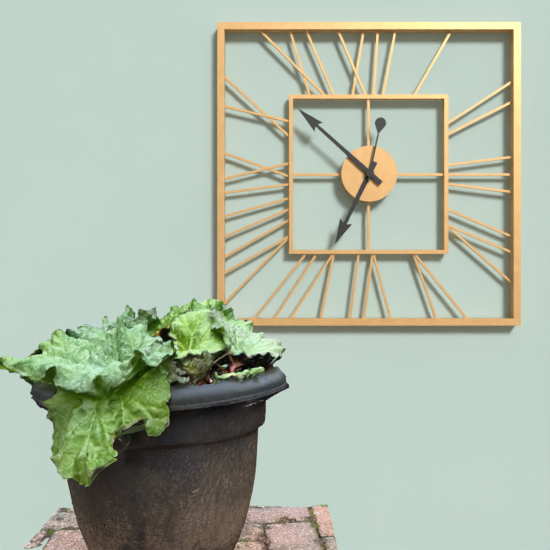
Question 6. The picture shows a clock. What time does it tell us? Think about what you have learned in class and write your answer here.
6:52:02
